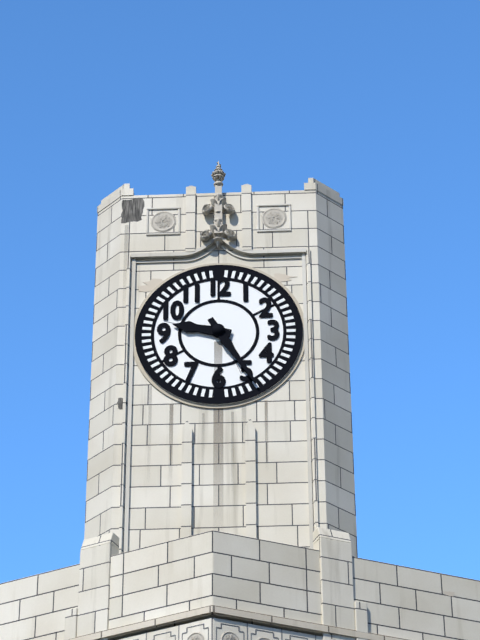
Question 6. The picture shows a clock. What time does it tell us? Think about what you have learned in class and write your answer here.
9:25
